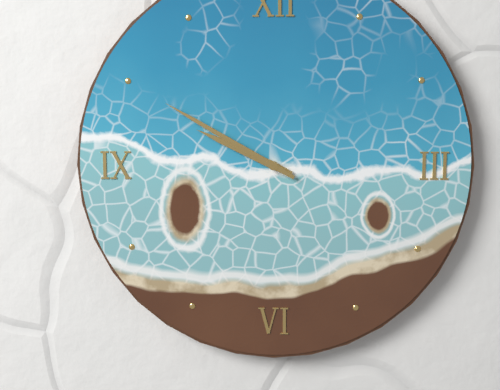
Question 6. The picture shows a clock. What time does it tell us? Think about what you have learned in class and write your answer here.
9:50
